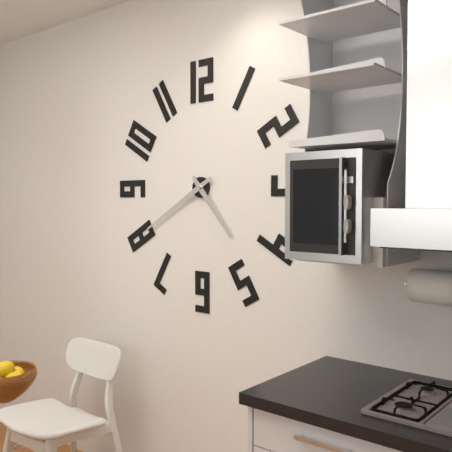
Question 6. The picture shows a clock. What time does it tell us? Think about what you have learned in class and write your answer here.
4:40
